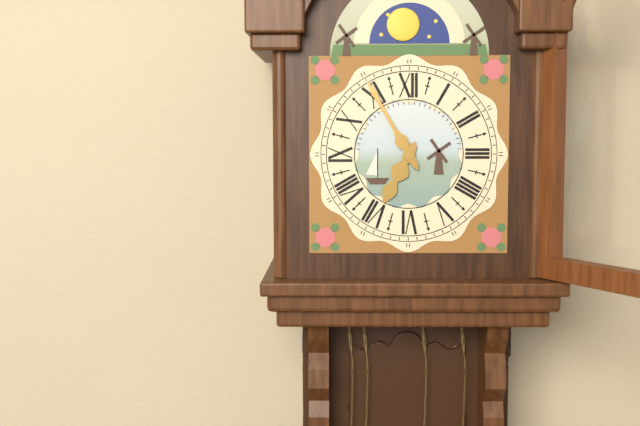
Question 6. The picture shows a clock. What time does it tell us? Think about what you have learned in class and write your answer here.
6:55
